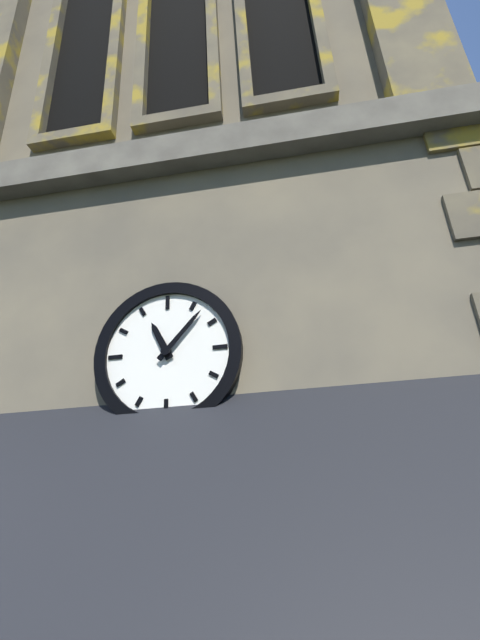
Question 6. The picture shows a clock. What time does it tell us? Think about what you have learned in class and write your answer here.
11:07
